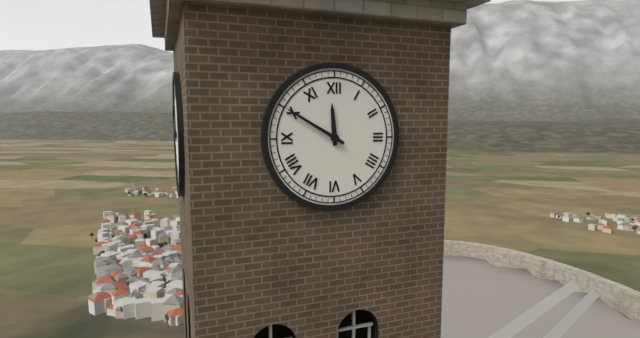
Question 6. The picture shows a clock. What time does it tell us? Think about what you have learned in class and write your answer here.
11:50
